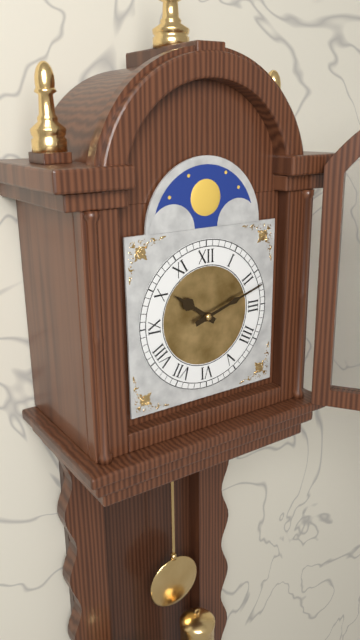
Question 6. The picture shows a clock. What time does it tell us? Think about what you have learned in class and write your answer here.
10:12
